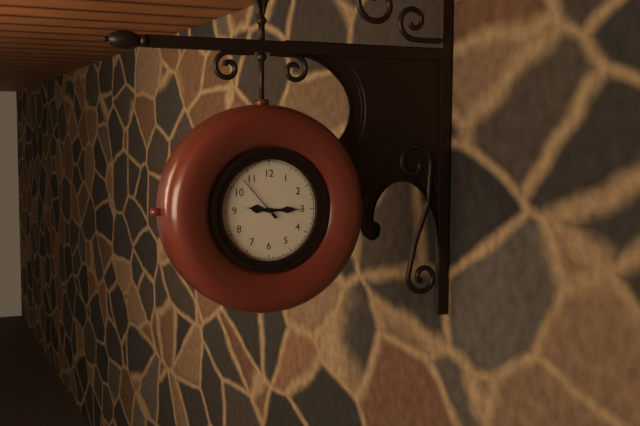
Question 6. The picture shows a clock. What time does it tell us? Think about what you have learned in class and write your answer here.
9:15
